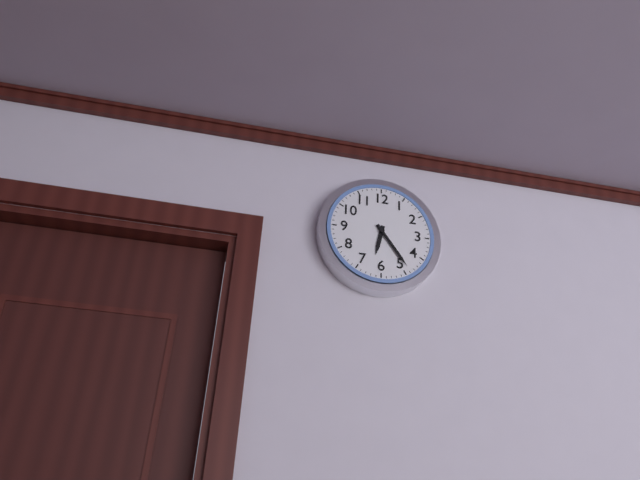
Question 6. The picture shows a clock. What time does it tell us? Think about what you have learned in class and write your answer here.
6:24
